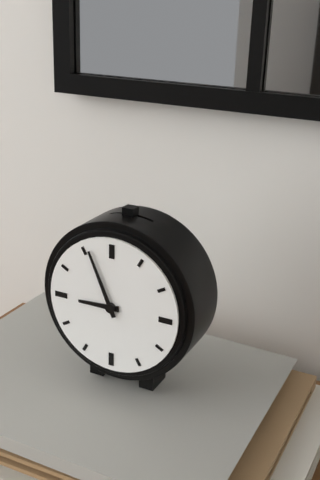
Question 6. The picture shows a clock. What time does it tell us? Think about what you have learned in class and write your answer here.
8:56
